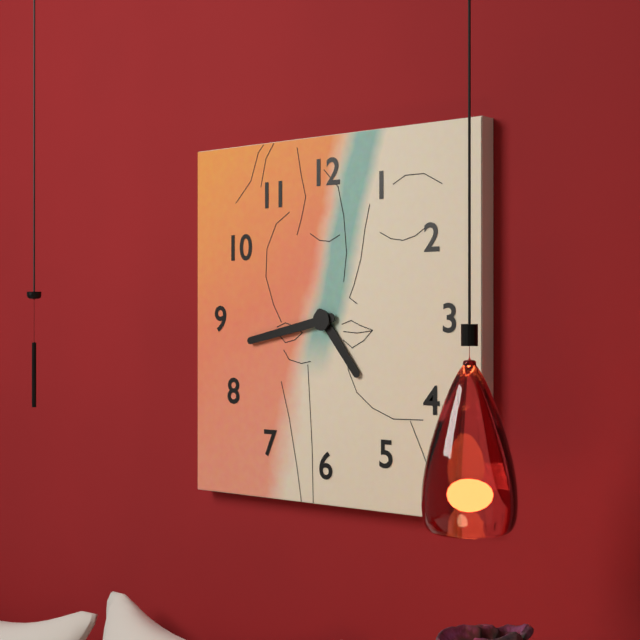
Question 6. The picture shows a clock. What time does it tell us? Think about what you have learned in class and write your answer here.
4:43
